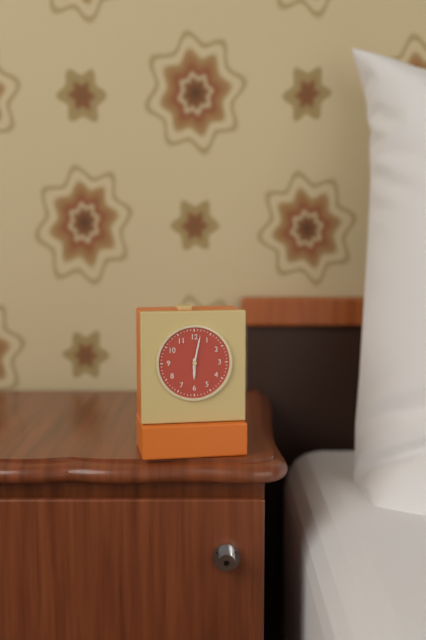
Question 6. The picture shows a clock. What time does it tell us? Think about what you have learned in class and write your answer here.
6:02
